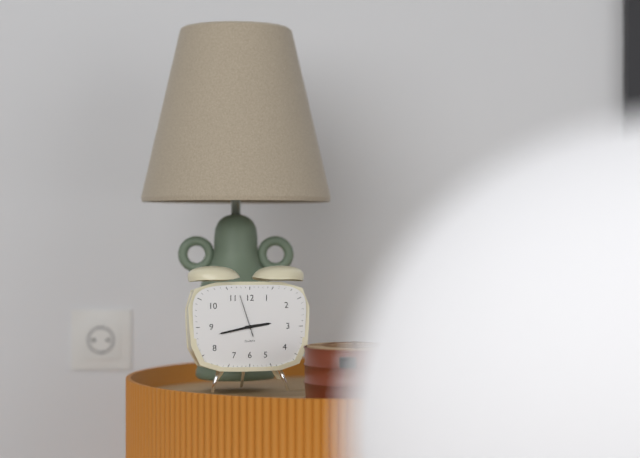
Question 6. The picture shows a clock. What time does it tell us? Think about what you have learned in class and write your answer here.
2:43
